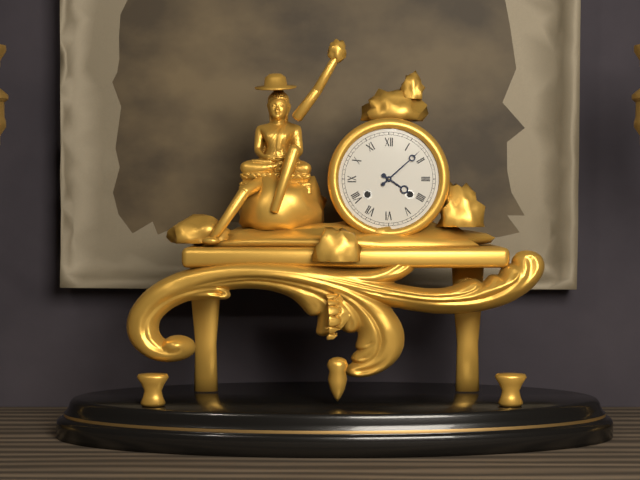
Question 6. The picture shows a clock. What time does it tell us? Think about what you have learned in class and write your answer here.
4:08
